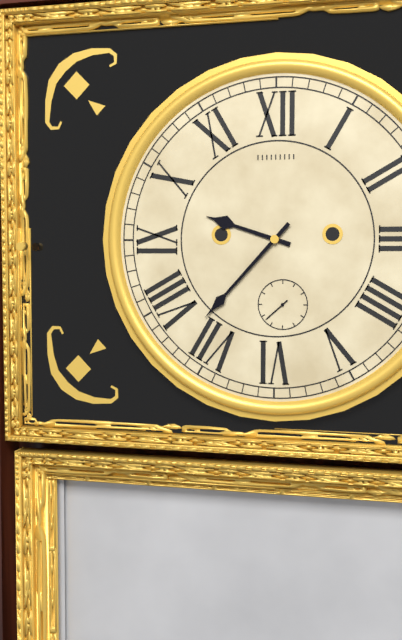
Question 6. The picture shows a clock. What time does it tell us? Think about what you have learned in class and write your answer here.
9:37
